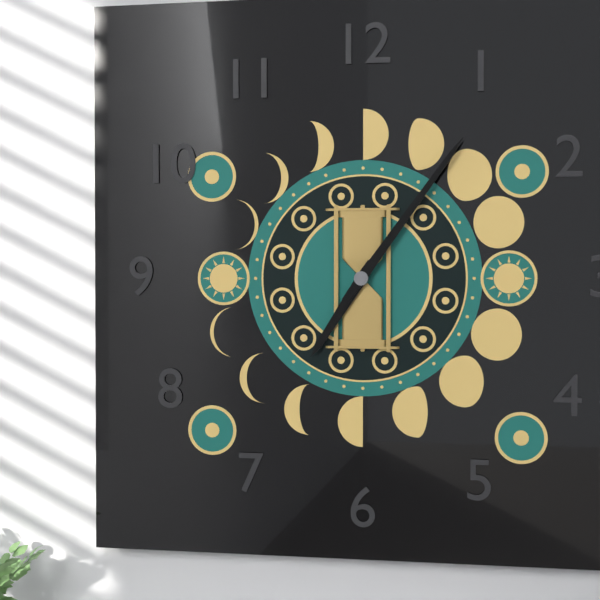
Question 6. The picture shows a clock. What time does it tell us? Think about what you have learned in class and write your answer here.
7:06
